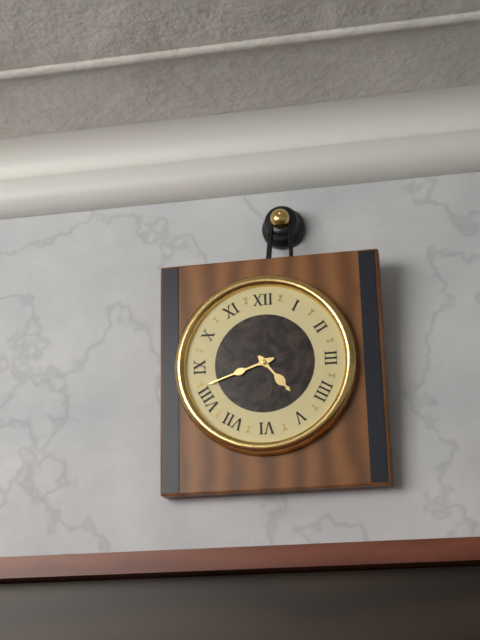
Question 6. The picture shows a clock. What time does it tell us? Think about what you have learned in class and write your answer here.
4:42
